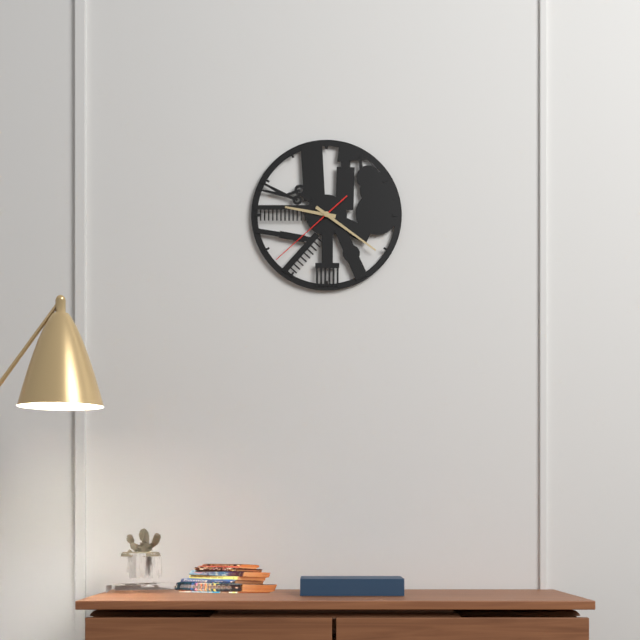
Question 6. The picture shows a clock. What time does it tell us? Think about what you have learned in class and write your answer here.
9:21:38
